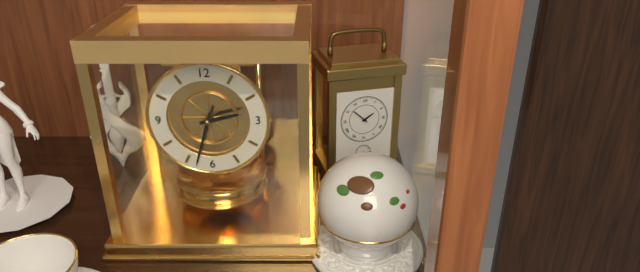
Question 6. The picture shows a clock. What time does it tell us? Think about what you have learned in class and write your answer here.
2:33
